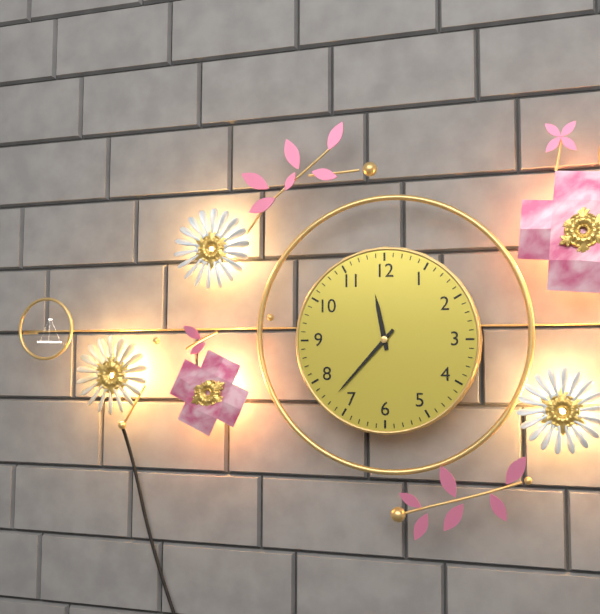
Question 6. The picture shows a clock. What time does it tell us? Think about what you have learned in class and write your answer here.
11:37
